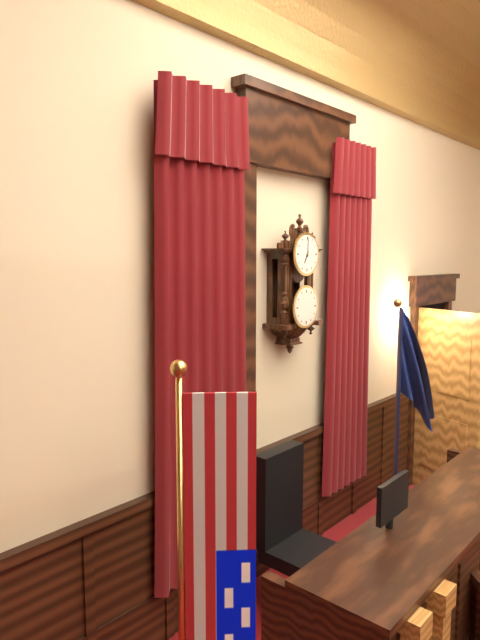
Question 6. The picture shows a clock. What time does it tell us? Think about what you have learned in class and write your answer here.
7:00
